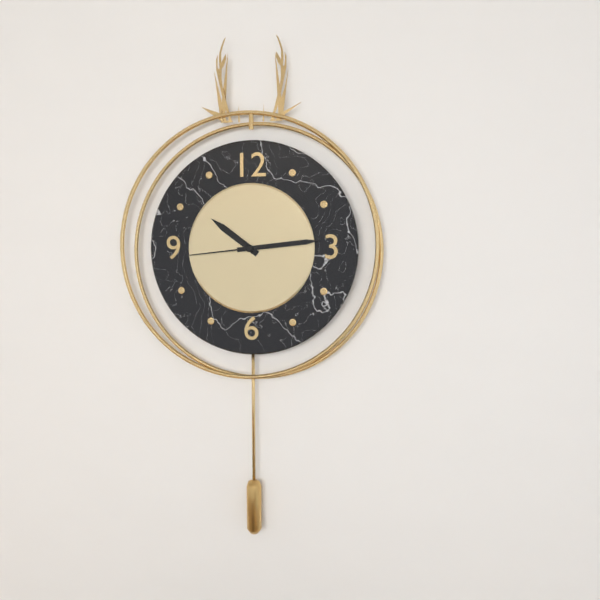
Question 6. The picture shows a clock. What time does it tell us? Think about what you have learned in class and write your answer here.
10:14:44
